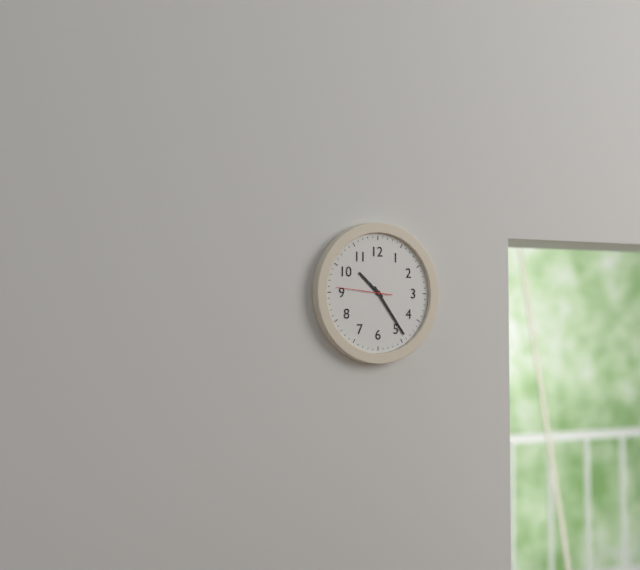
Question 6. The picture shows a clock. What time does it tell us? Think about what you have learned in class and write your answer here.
10:24:46
